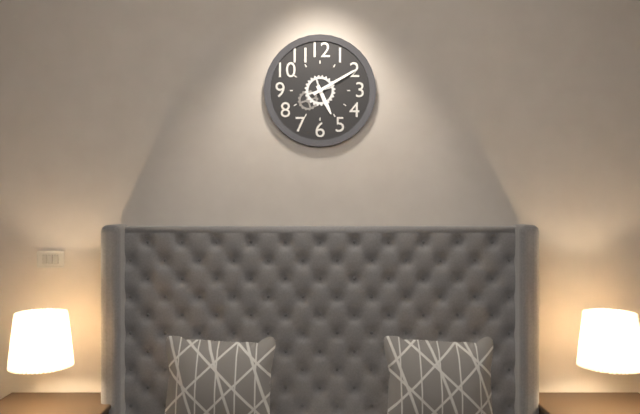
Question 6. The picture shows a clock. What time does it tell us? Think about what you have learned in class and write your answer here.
5:10
